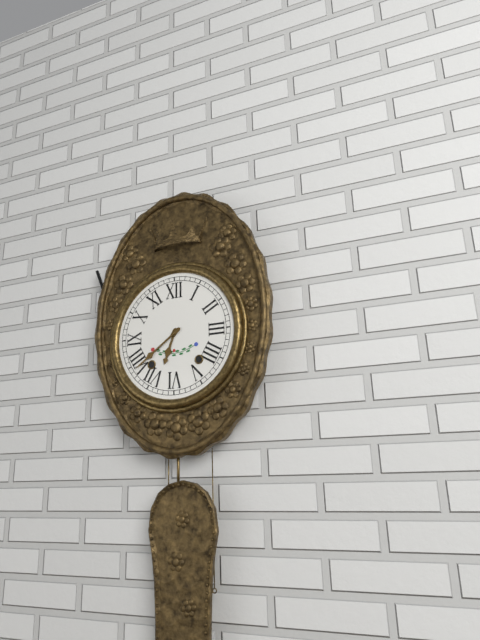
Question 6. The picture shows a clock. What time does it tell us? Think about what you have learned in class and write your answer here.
6:39
